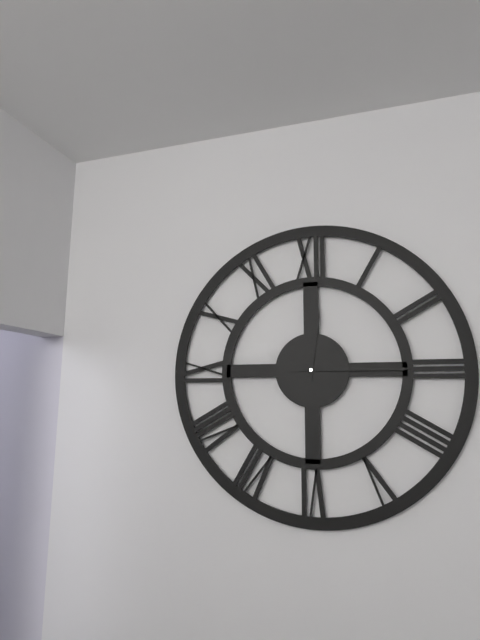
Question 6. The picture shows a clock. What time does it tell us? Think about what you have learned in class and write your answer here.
12:15
